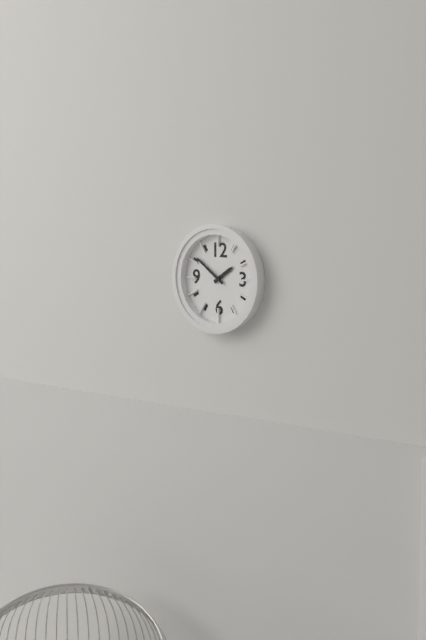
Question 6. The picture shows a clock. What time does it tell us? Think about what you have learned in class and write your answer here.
1:51
